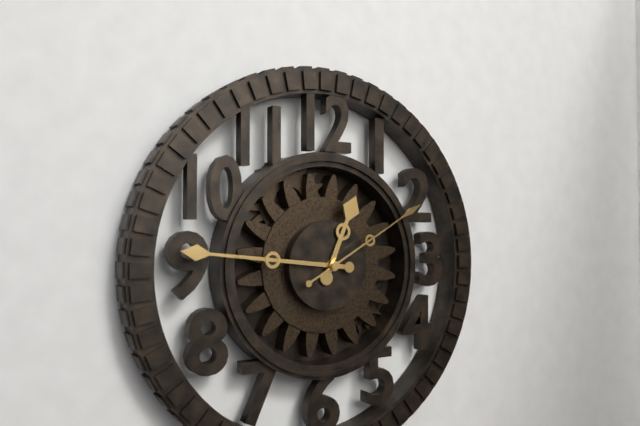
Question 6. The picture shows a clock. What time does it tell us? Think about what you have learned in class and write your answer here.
12:46:10
